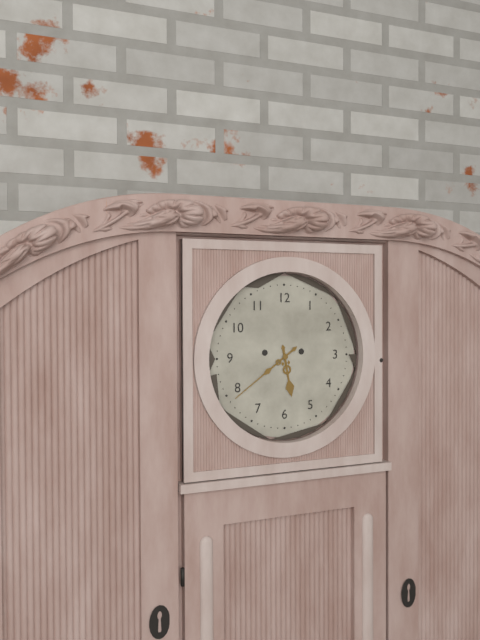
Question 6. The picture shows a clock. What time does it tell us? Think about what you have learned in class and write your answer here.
5:39
